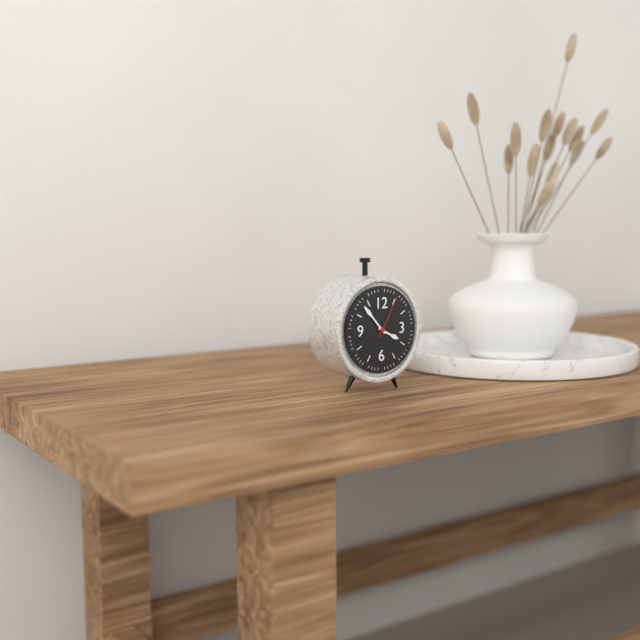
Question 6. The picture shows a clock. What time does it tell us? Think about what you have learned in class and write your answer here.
3:53
